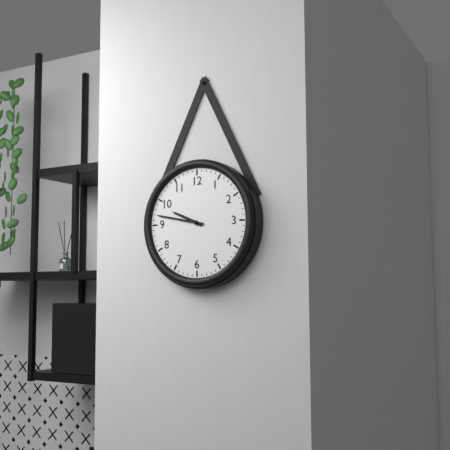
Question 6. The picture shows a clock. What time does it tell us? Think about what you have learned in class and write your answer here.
9:47
